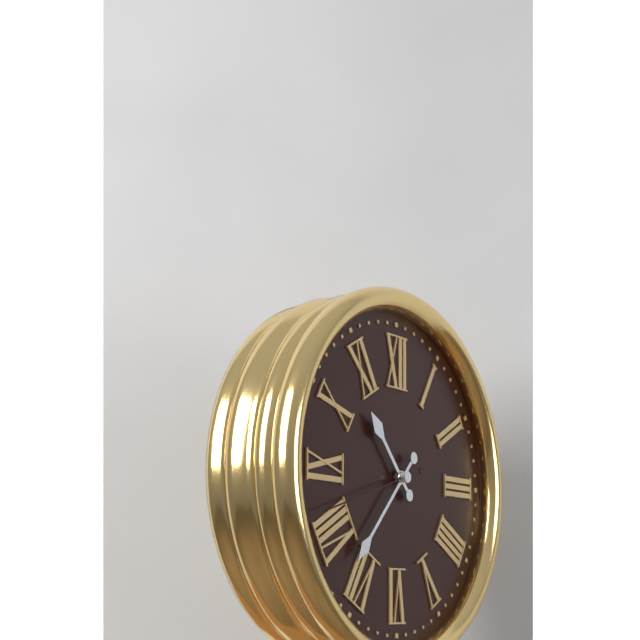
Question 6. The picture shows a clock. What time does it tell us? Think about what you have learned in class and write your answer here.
10:37:42
